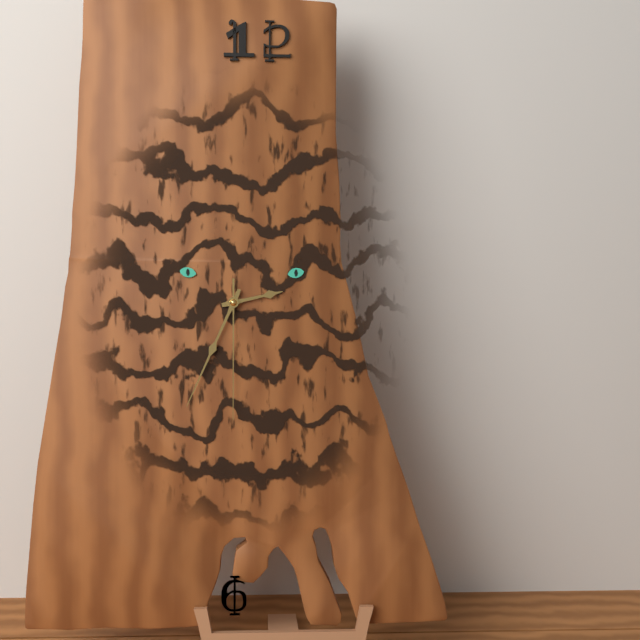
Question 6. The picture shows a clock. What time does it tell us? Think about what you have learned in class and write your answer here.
2:34:30
